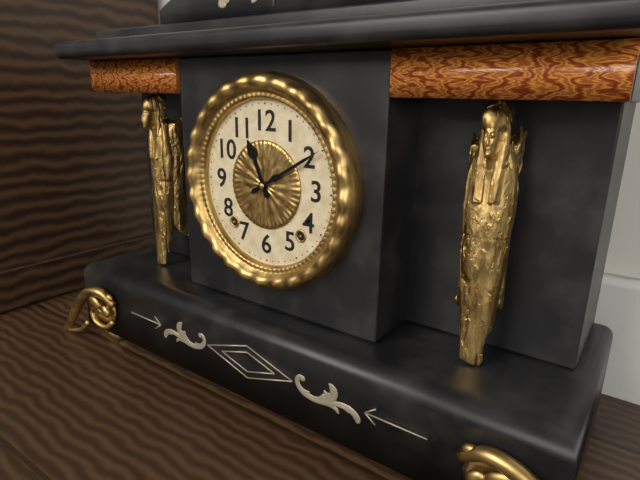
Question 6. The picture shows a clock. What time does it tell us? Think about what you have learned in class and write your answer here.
11:10
